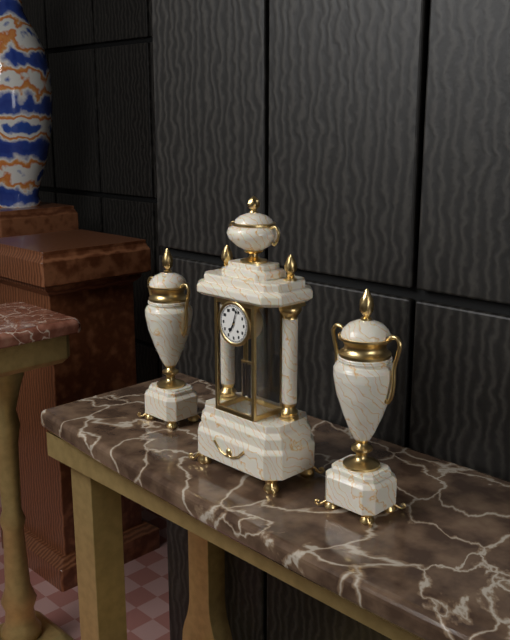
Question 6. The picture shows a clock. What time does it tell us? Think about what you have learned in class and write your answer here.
7:03
